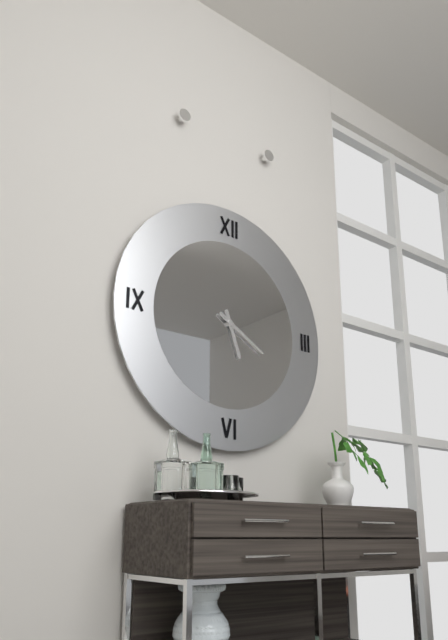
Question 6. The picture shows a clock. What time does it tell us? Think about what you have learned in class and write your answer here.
5:20
